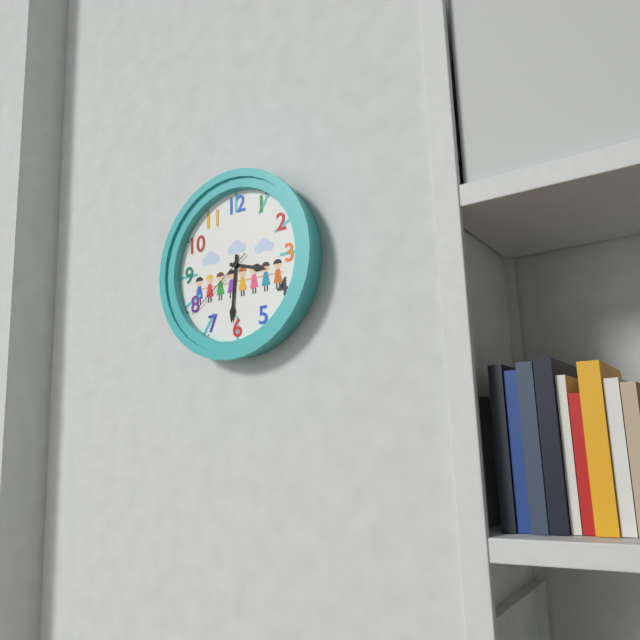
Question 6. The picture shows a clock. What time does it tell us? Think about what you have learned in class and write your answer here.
3:31:39
